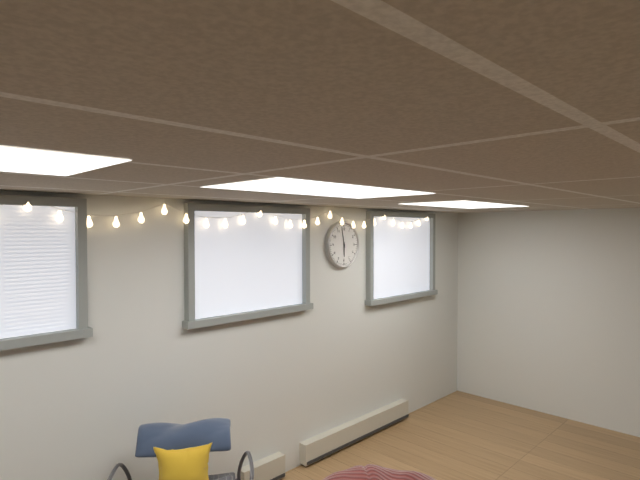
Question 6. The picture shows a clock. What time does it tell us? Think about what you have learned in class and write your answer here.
5:58
